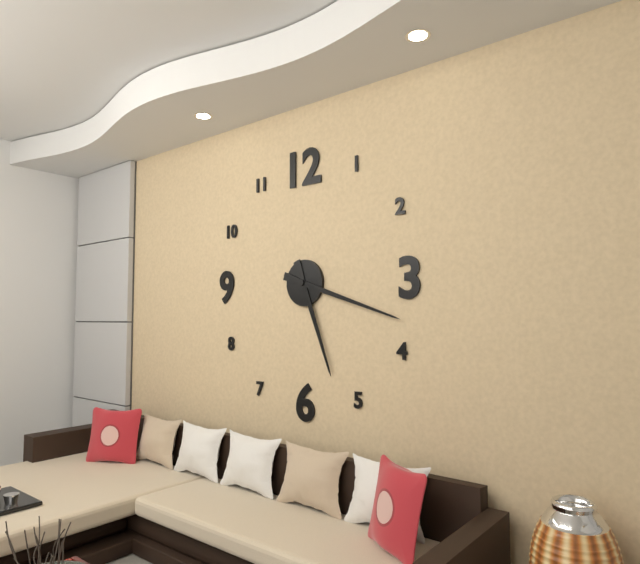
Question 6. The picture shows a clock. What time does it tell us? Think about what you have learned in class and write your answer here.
5:18
